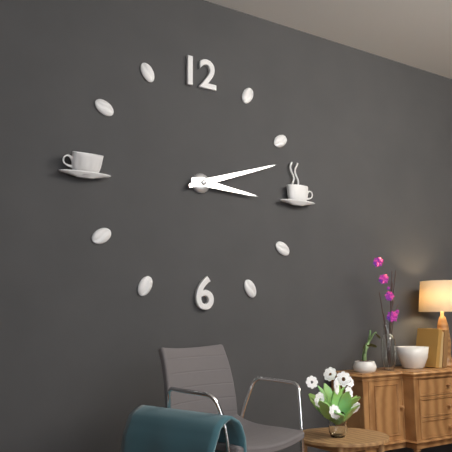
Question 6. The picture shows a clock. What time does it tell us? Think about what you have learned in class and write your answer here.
3:12
